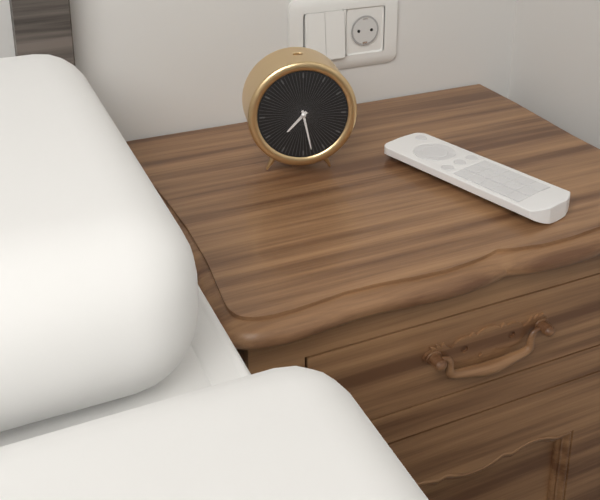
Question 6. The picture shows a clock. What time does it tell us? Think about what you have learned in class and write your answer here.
7:28
